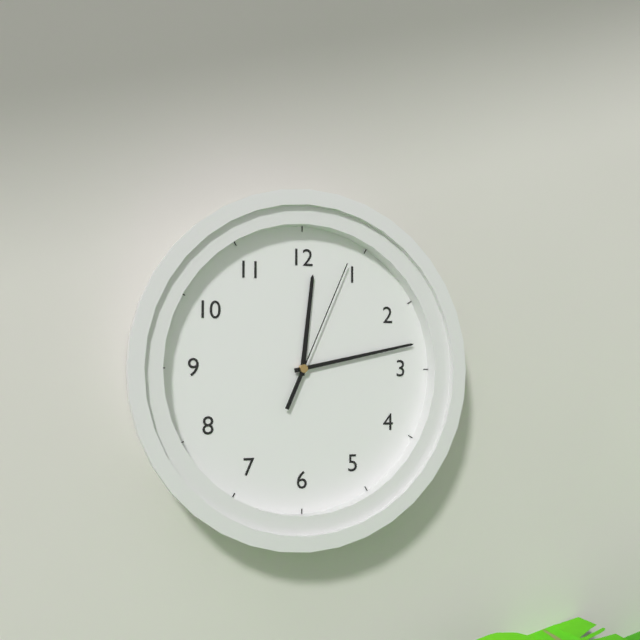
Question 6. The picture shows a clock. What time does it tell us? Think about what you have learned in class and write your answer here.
12:13:04
